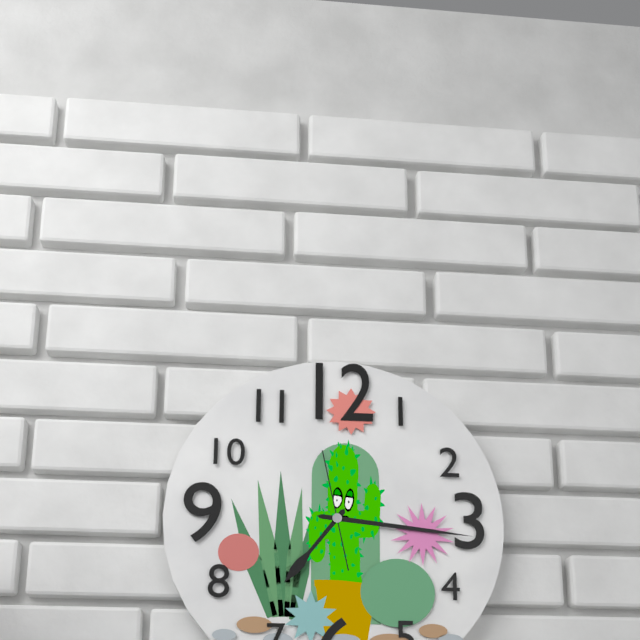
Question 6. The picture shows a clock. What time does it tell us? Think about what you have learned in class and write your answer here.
7:16:58
